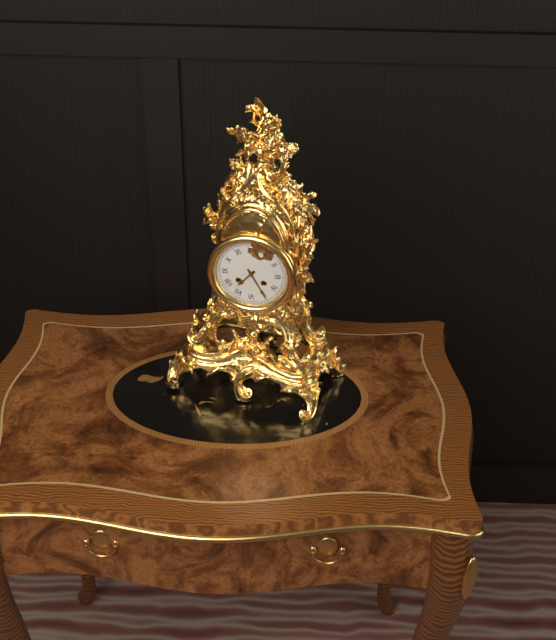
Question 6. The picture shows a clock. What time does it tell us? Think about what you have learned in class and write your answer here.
7:25
